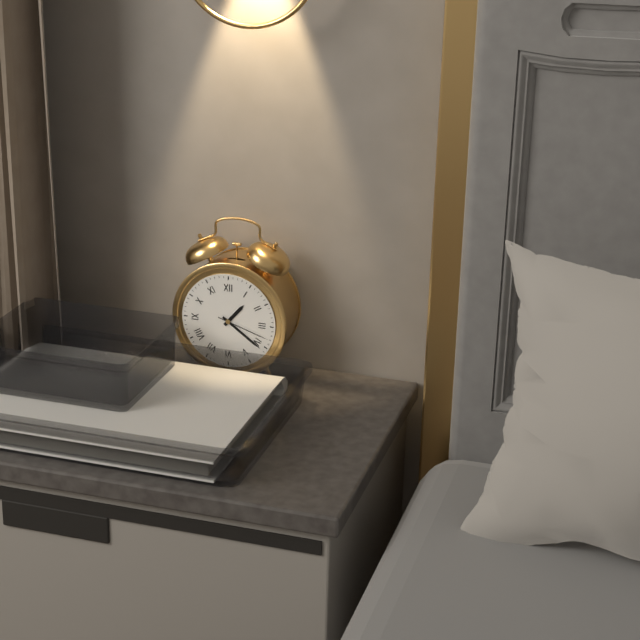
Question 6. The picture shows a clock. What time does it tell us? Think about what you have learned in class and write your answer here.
1:21:18
